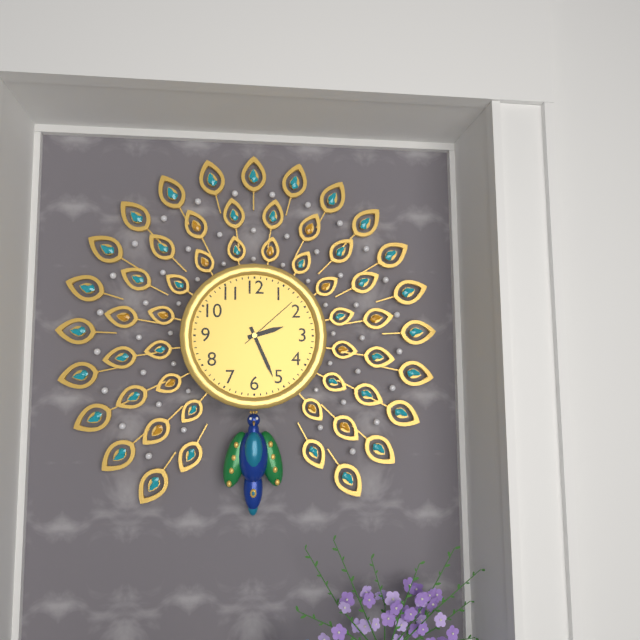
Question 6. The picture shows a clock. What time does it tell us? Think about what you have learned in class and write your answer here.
2:26:08
